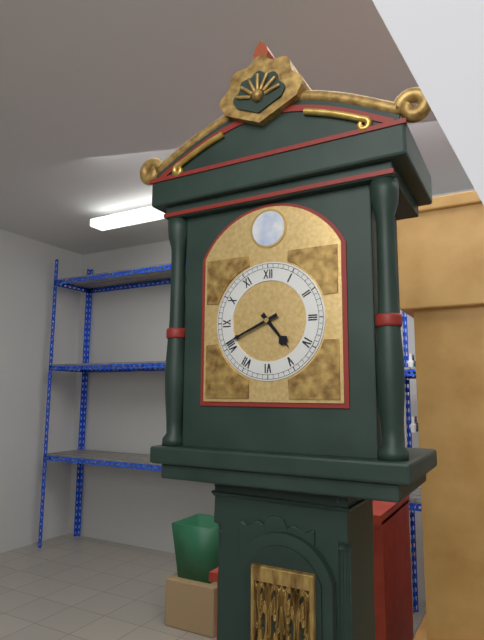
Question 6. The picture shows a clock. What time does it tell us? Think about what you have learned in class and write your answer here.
4:41
